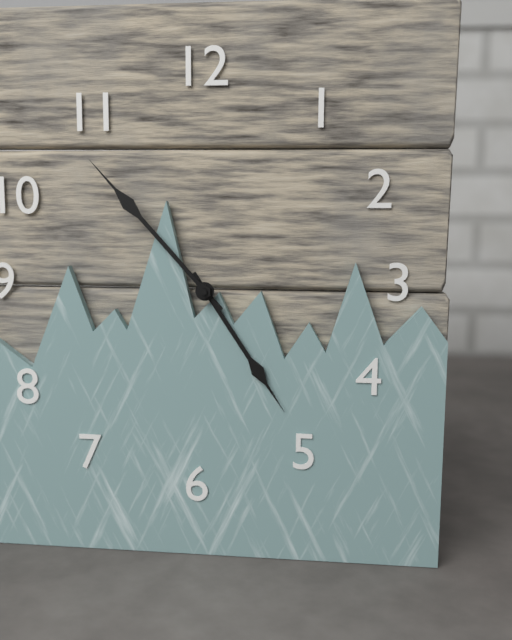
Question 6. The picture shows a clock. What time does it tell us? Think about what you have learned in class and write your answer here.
4:53
